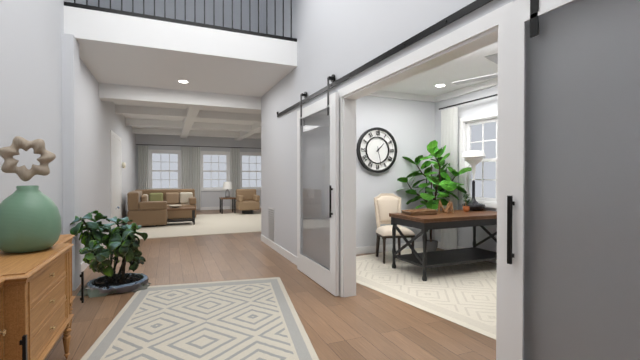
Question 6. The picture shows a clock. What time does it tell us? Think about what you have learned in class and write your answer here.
1:28
